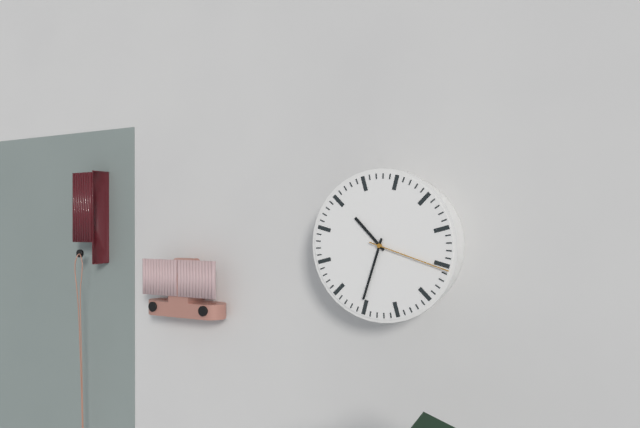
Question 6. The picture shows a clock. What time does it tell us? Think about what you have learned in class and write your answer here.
10:33:18
